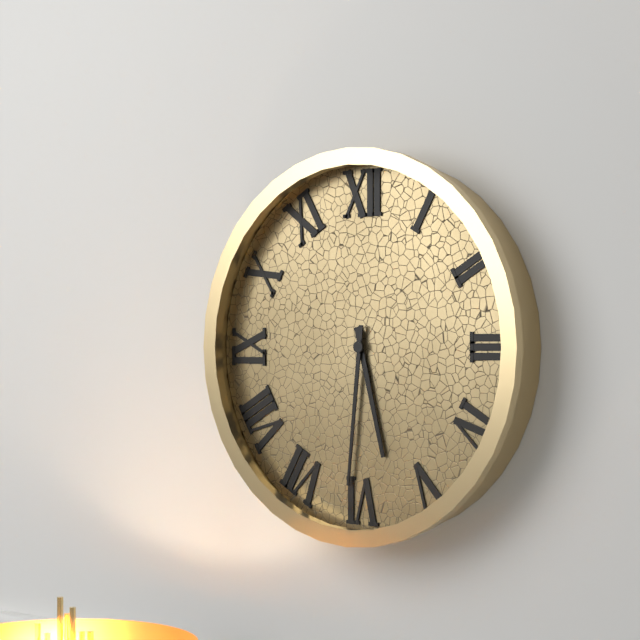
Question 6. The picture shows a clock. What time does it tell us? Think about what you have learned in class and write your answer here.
5:31
